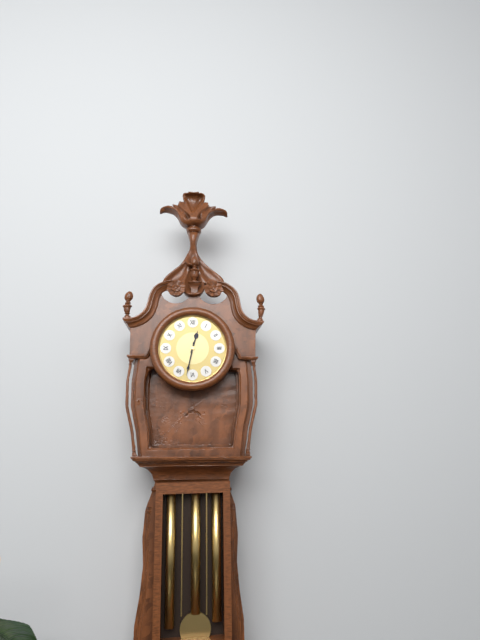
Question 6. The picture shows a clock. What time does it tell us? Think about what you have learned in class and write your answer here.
12:32
